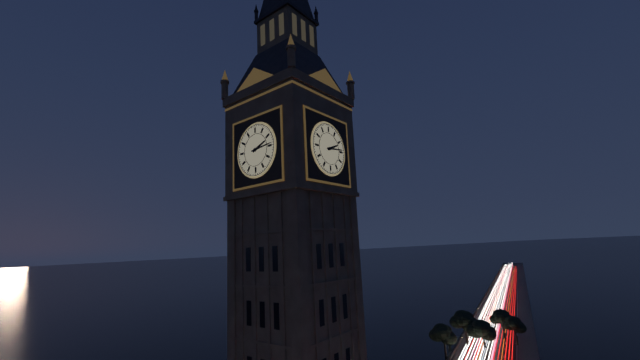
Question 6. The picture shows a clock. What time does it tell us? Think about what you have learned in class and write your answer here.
2:14
